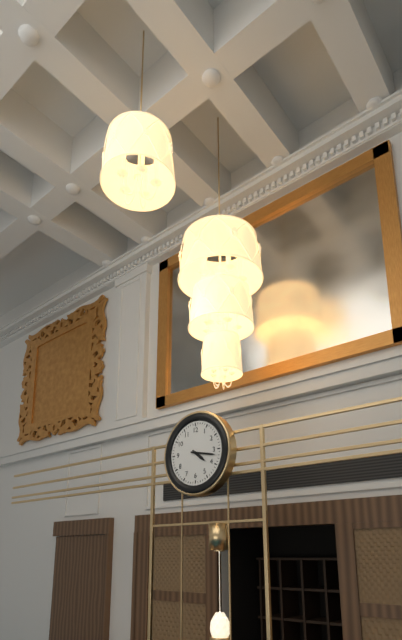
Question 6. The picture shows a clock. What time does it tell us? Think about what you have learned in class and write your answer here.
4:17
